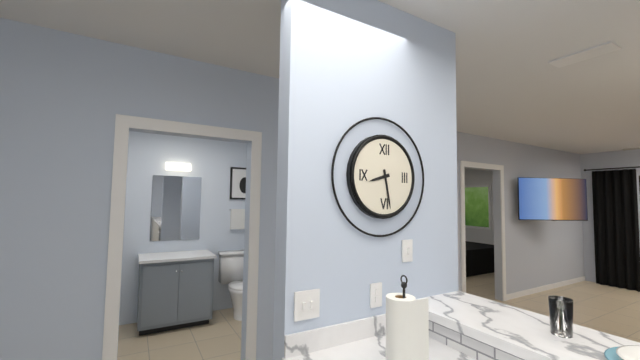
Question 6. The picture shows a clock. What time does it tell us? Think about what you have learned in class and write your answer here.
8:28
